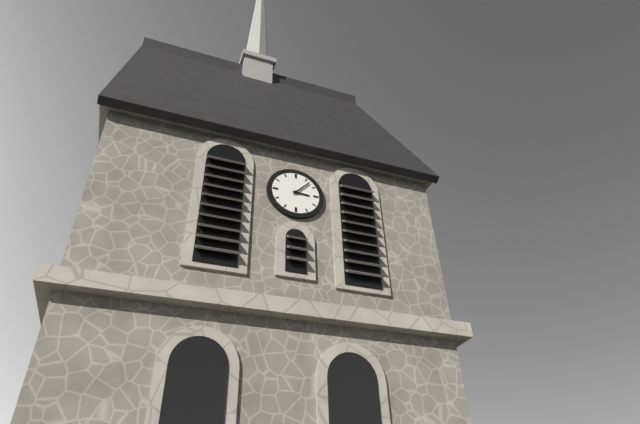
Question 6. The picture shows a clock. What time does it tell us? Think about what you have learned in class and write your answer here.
3:07
